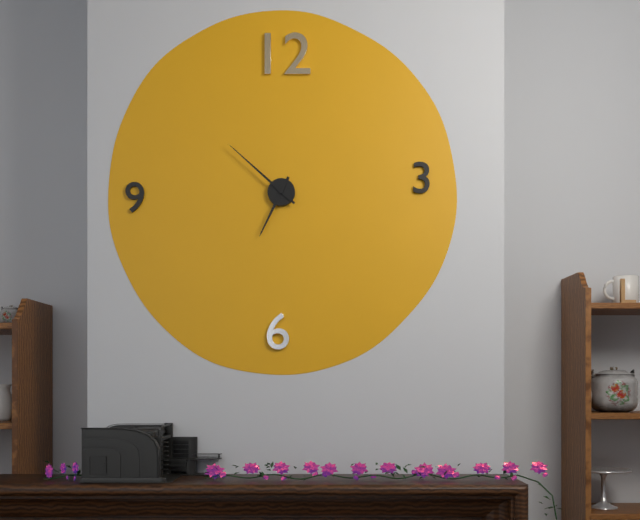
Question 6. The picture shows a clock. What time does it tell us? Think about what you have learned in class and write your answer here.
6:52
